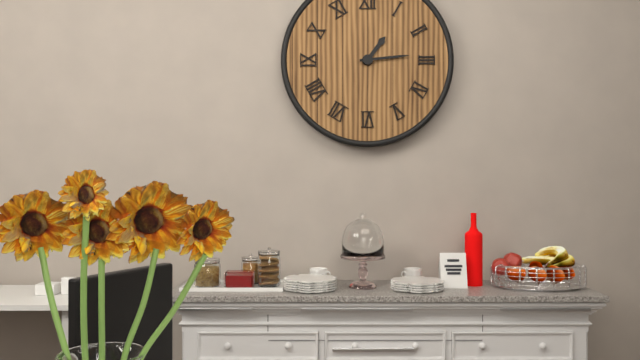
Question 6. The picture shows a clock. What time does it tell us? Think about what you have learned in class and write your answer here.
1:14
